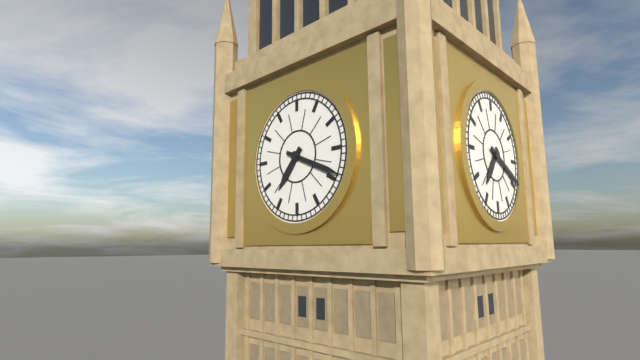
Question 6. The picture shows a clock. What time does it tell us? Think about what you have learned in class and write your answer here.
7:19
